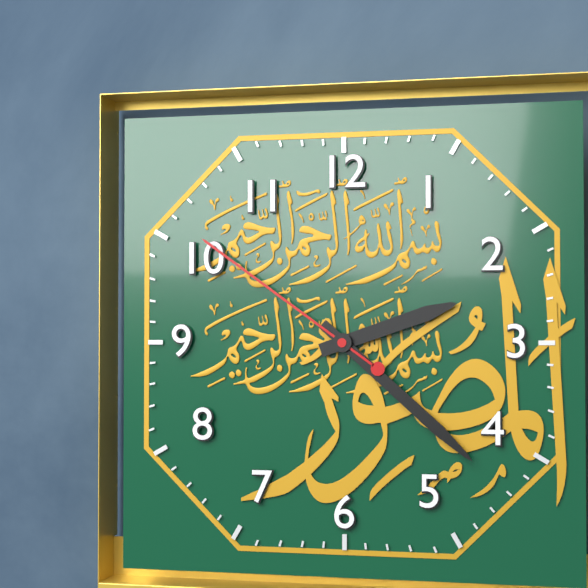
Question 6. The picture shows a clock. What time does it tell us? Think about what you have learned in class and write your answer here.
2:22:51
